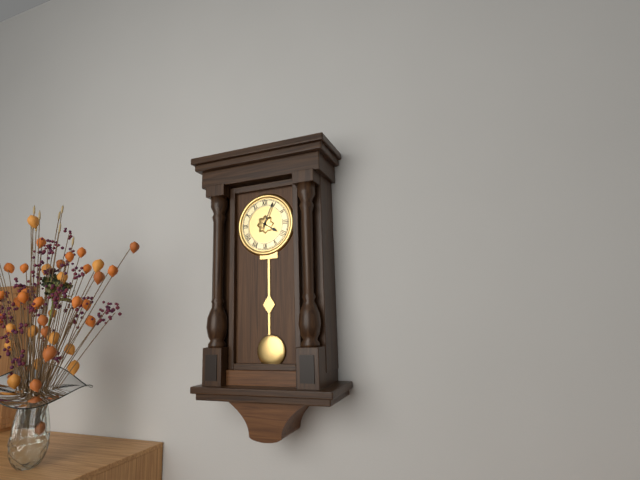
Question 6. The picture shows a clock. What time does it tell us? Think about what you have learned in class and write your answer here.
4:04
